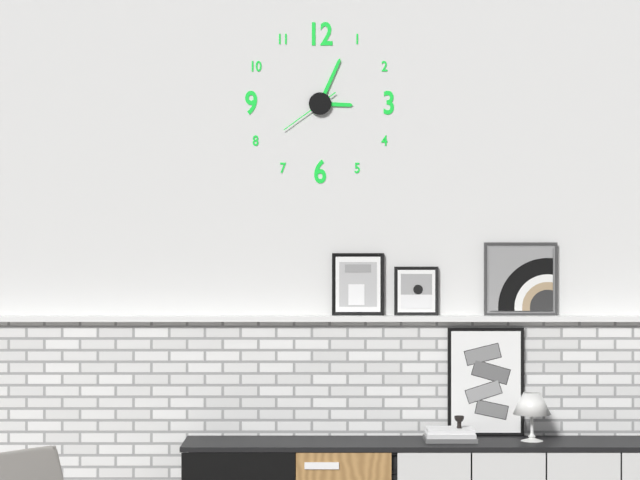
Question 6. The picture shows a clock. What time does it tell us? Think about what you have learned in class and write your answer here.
3:04:39
